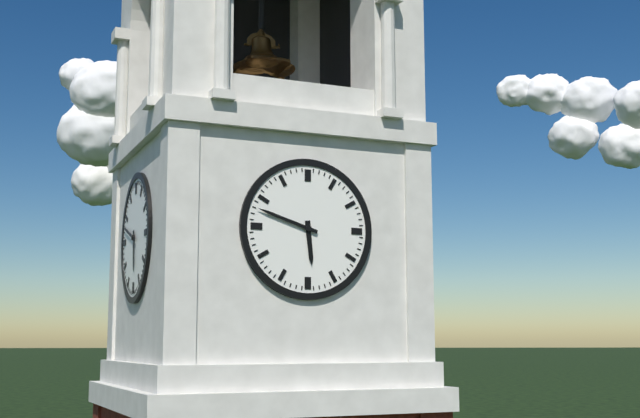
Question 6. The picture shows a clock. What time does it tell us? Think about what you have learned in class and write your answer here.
5:48
